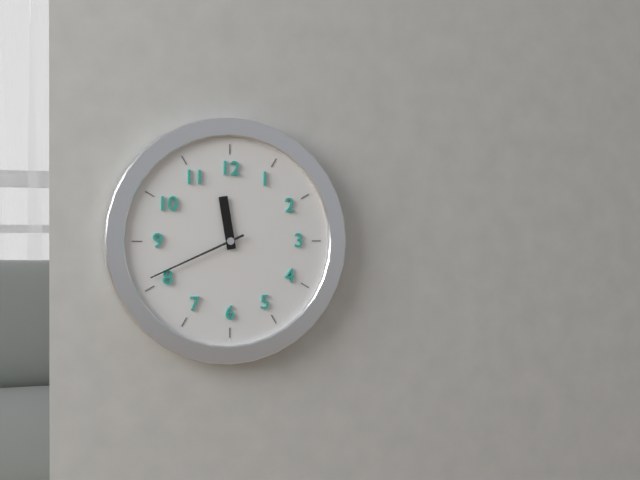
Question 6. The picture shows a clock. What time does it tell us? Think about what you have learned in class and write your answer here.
11:41
